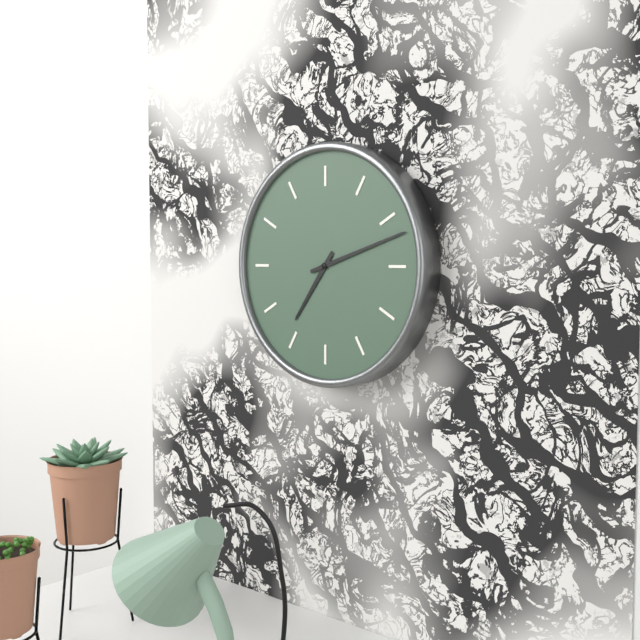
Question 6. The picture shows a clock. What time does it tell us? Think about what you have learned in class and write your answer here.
7:12
